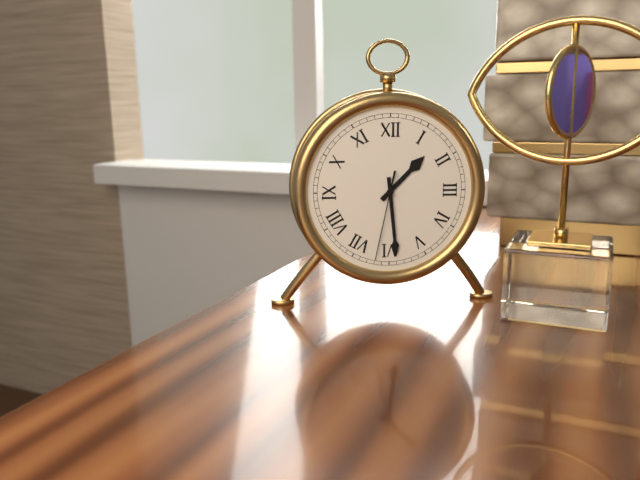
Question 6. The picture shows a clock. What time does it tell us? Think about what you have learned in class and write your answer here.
1:29:32
